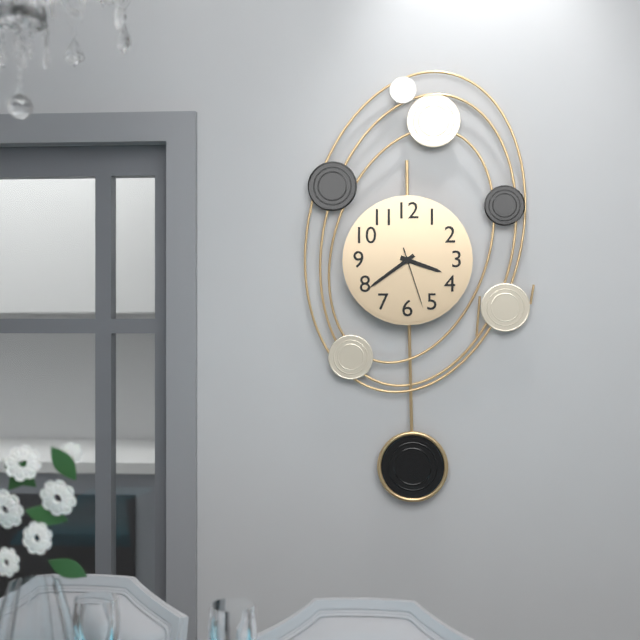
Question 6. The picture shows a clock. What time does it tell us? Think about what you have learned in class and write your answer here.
3:39:27
